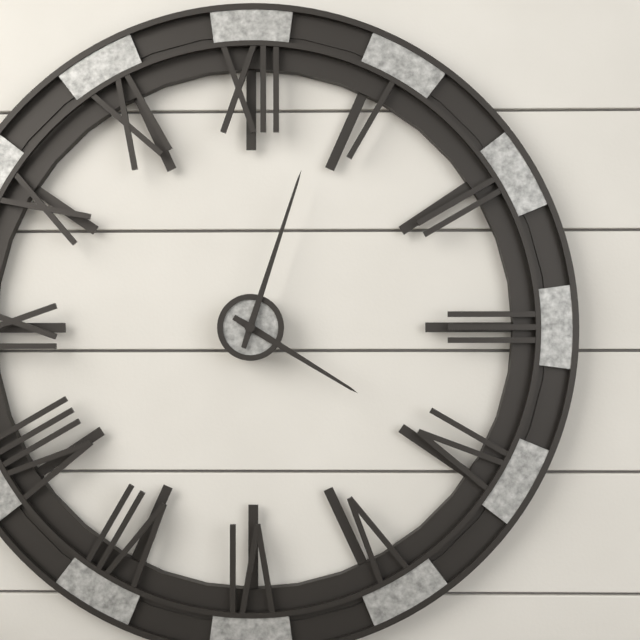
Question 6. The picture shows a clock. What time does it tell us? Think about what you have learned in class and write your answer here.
4:03
